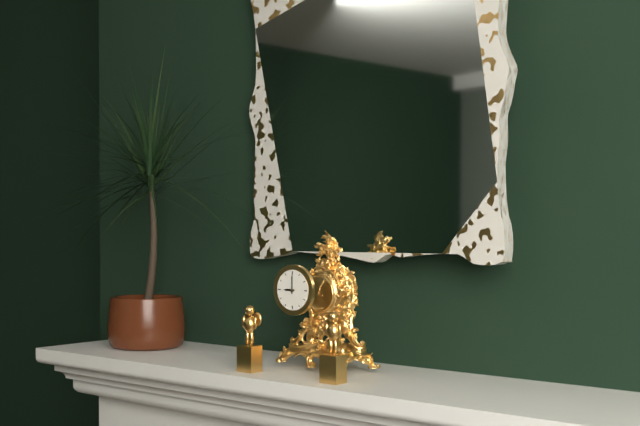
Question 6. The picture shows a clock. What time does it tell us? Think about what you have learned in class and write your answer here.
9:00
